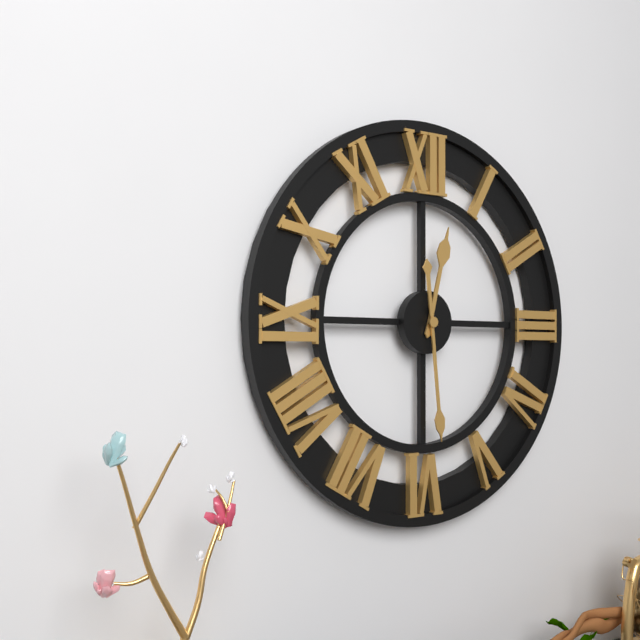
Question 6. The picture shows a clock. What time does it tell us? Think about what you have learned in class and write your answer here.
12:29
